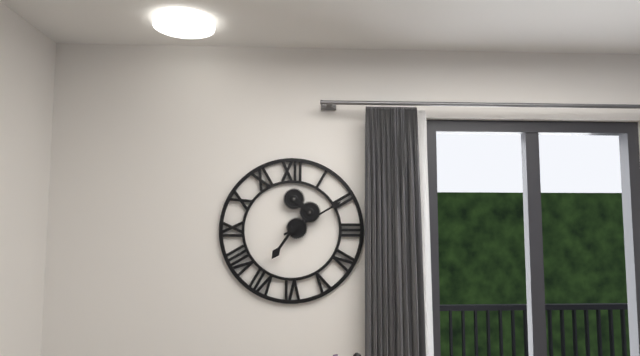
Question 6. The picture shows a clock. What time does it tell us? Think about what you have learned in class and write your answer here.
7:10
